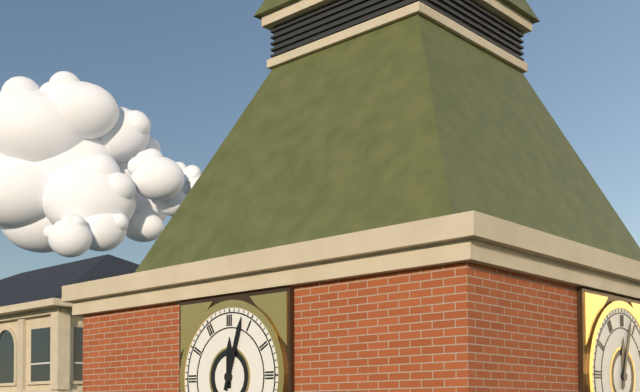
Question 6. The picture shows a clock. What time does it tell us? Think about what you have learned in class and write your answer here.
12:03
